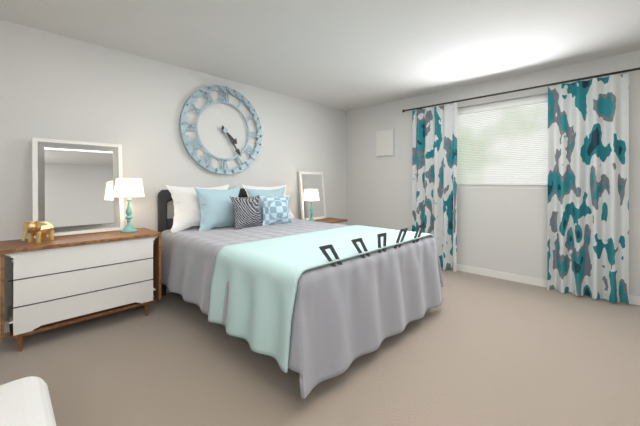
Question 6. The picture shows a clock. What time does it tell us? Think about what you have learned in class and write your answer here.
4:24
